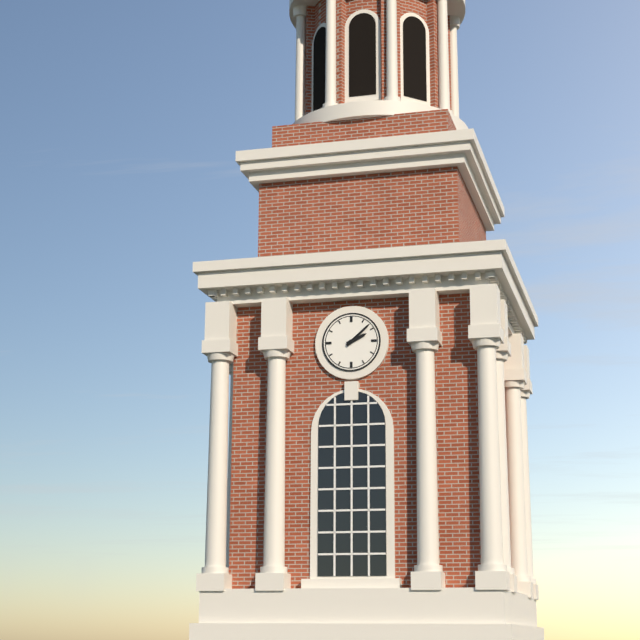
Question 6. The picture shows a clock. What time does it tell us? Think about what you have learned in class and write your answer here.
2:08
